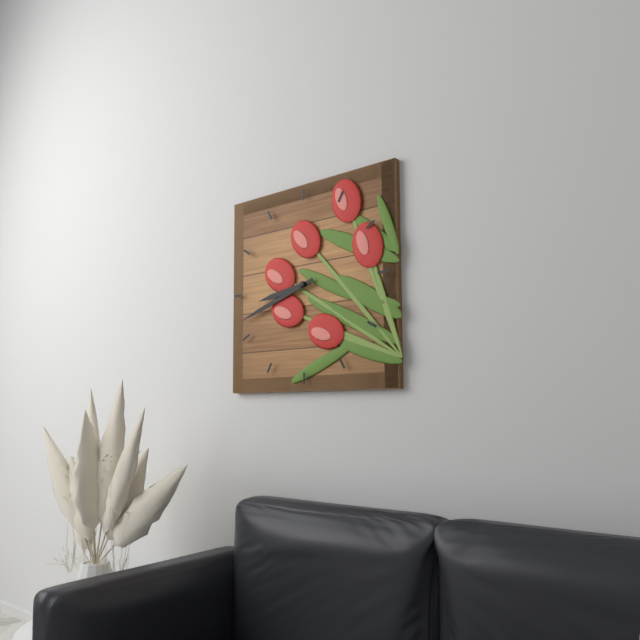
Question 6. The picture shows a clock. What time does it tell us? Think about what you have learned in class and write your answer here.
8:42
